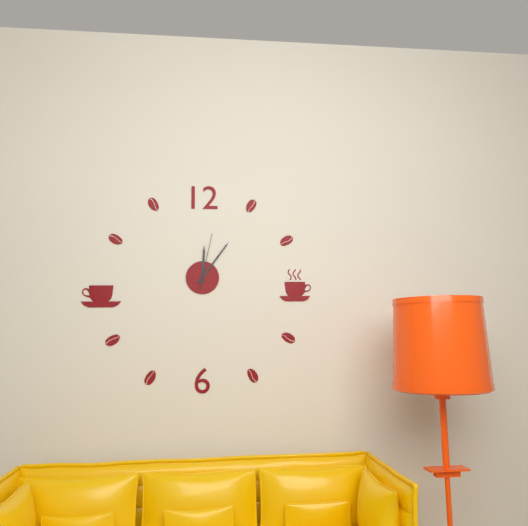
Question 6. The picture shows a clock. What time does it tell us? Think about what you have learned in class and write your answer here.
12:06:02
